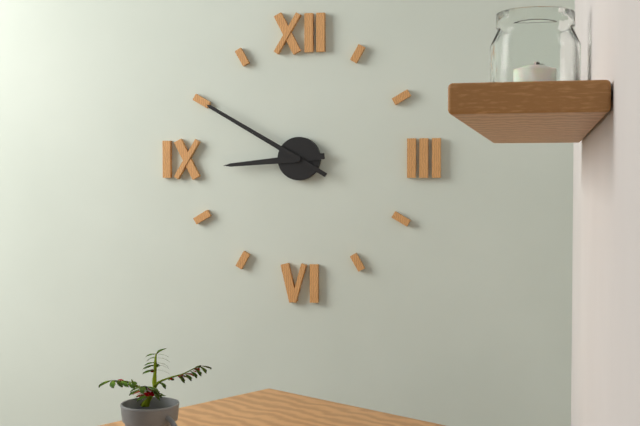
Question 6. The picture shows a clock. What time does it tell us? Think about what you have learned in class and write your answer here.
8:50
